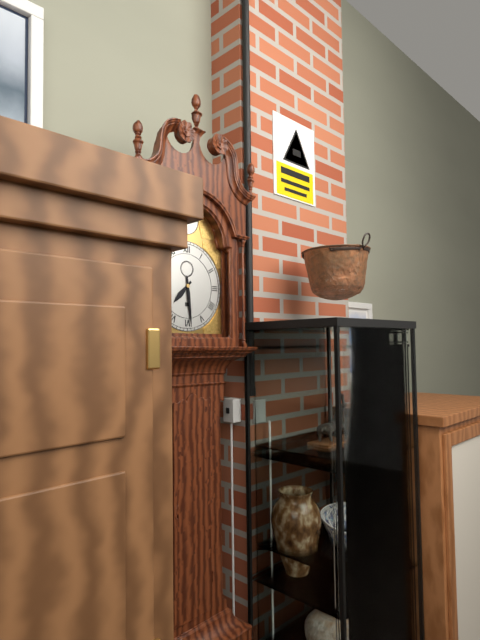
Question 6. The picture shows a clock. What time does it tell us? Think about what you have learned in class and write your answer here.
7:29
